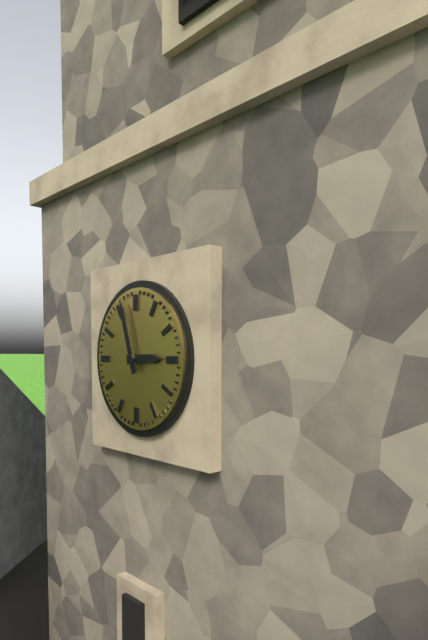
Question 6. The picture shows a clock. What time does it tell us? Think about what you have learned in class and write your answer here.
2:57
